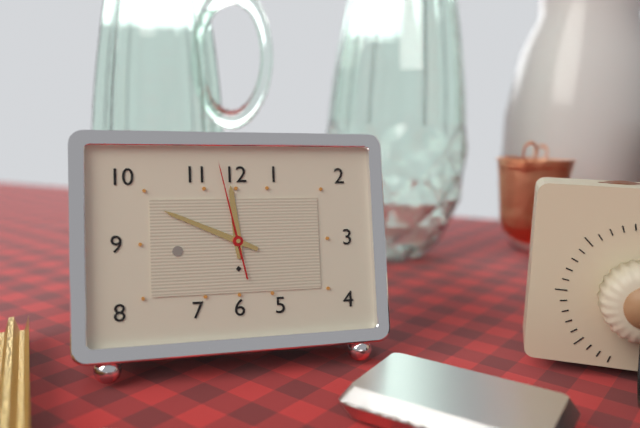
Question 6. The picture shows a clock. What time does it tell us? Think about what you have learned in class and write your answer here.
11:49:58
